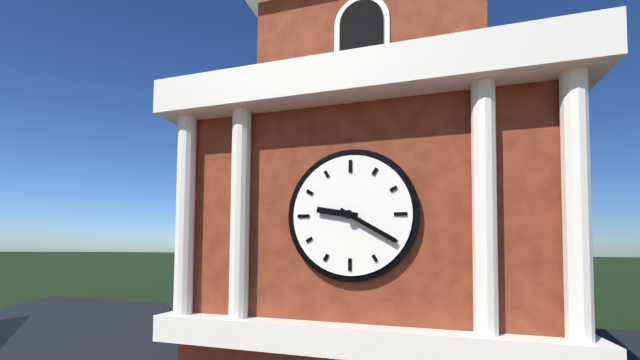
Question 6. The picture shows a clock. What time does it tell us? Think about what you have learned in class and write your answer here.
9:20
